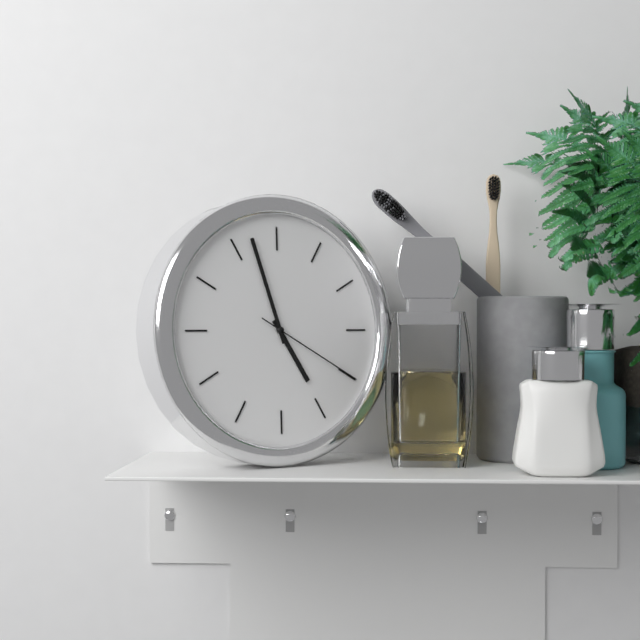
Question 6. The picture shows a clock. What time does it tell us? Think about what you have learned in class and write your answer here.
4:57:20
